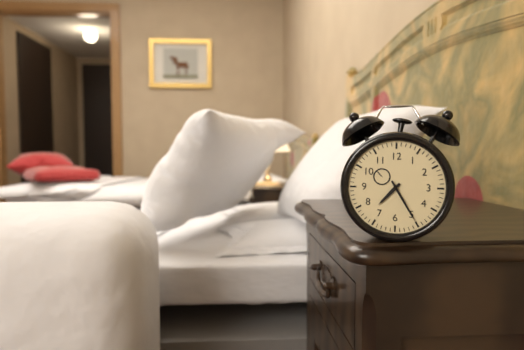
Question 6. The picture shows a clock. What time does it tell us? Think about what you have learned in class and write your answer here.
7:25
